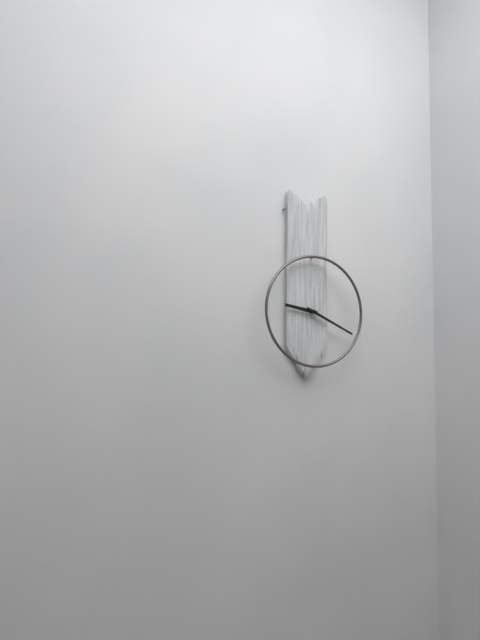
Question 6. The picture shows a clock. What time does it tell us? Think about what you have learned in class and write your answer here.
9:19
